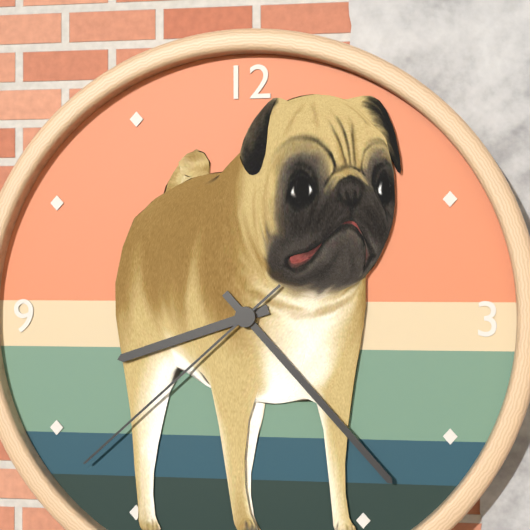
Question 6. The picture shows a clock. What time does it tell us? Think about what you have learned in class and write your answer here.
8:23:38
